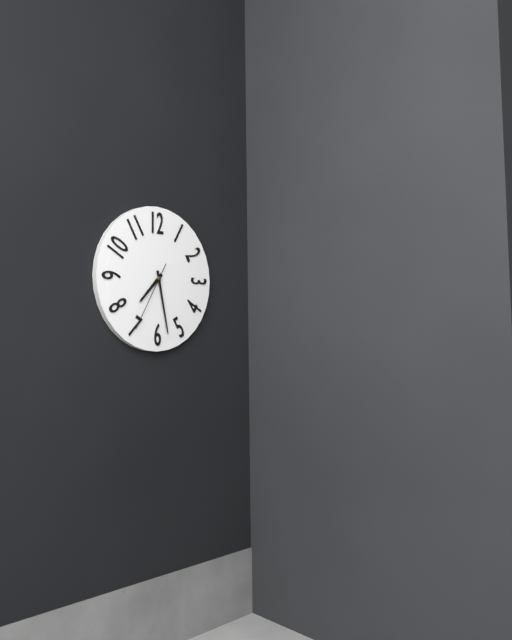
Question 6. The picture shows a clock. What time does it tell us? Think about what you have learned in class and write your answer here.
7:28:35
